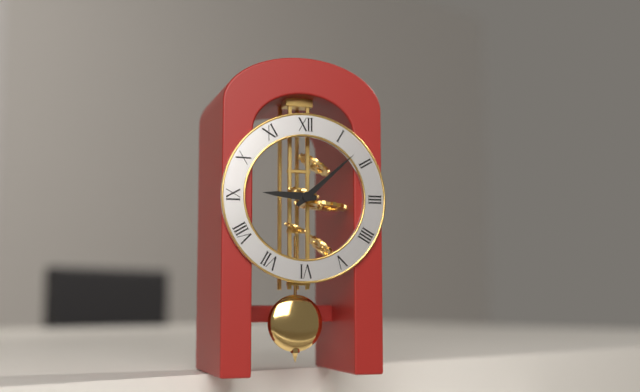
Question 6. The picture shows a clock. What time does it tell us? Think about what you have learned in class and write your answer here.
9:08
